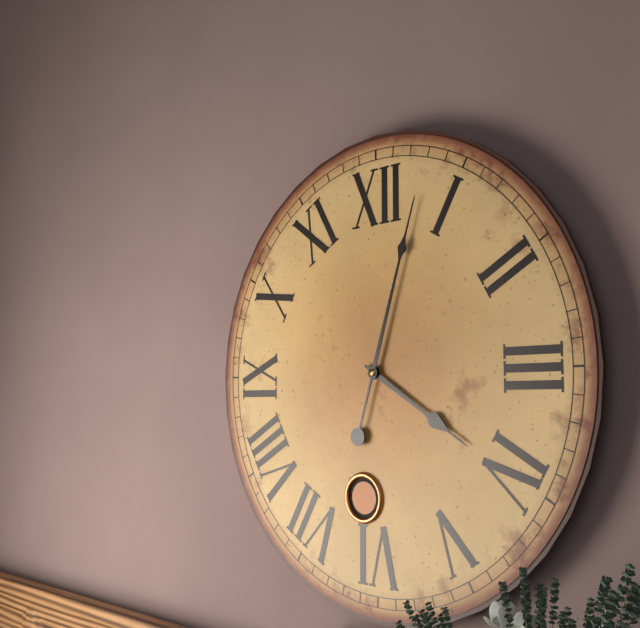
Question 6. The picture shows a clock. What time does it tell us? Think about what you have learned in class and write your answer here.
4:03
